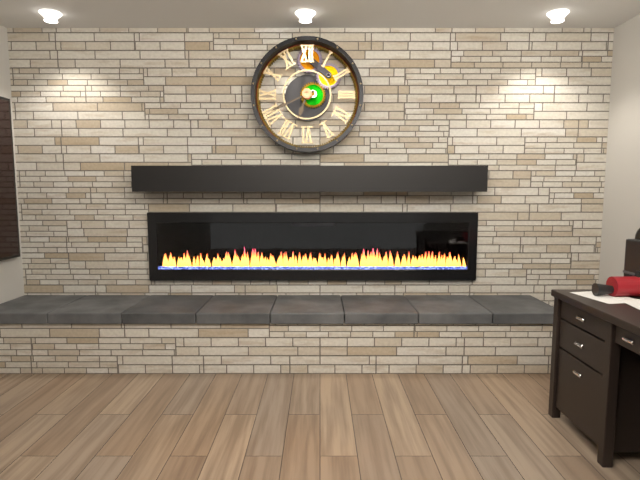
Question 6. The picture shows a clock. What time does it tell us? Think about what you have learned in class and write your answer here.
6:41
